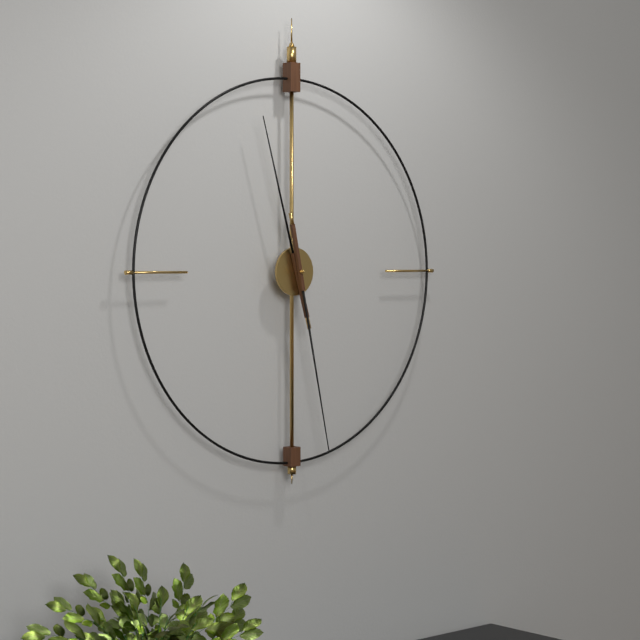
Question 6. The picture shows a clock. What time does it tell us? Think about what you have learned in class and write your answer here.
11:28
